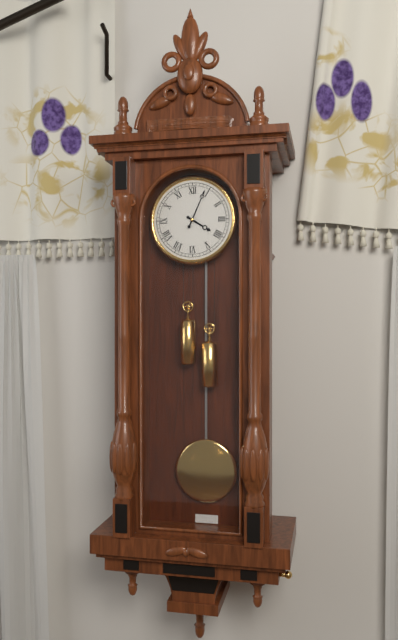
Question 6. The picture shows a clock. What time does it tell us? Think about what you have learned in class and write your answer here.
4:04
